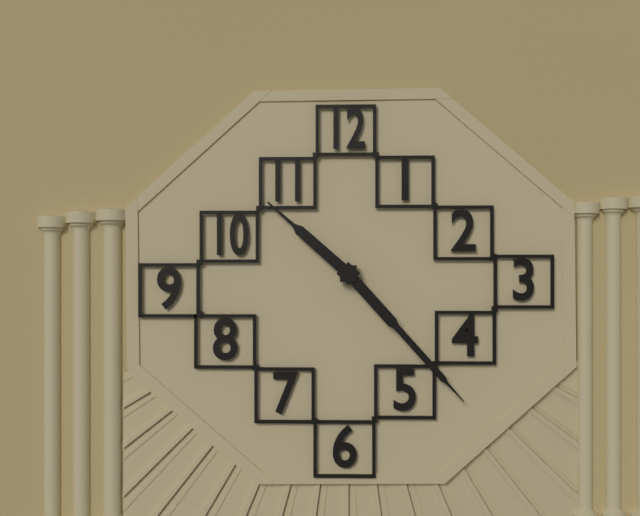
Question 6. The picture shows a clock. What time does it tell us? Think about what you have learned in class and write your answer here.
10:23
